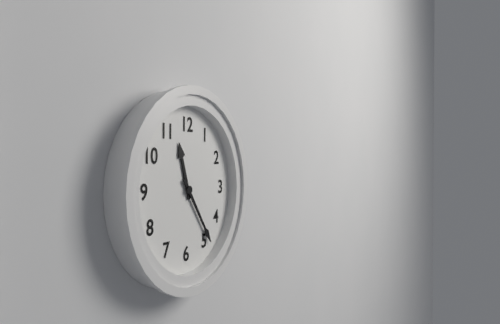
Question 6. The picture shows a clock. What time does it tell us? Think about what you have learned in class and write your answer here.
11:24
